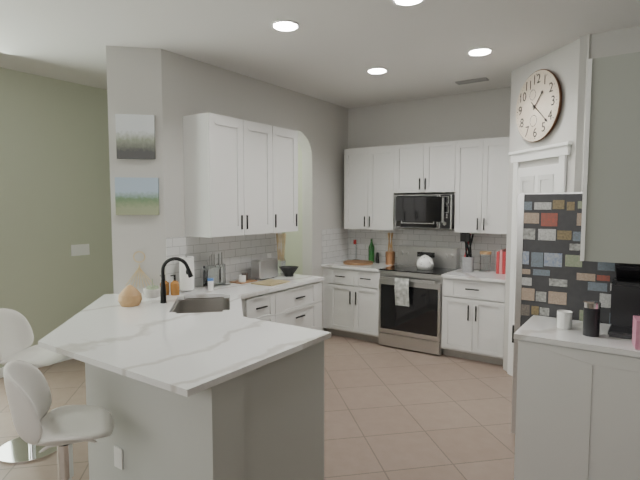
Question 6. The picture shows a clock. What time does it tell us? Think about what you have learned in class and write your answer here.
1:22
